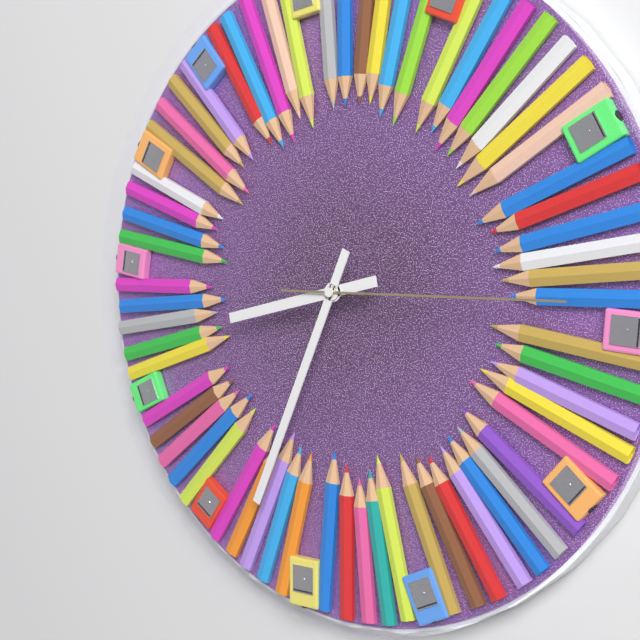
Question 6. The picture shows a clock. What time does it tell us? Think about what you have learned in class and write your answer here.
8:34:15
